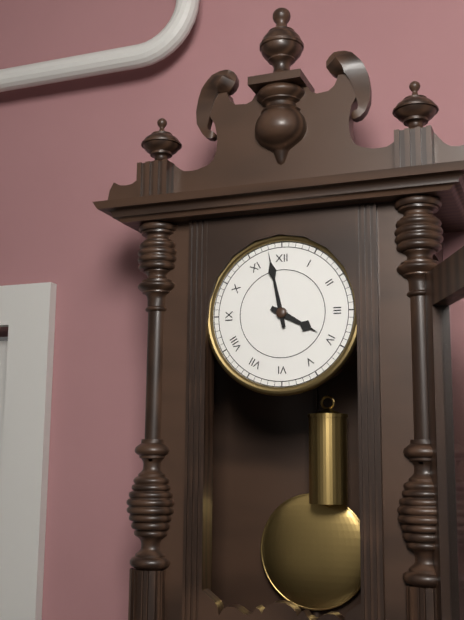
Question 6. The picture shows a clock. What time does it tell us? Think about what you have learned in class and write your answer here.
3:58
